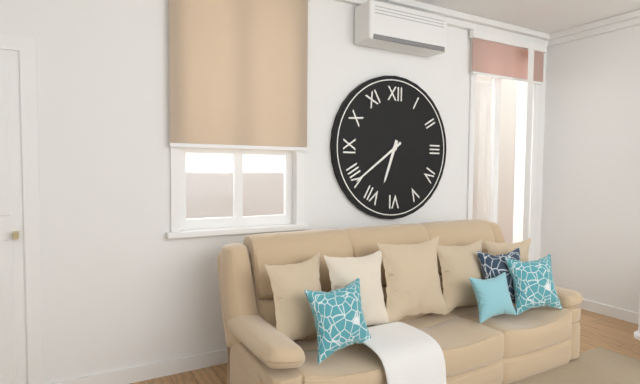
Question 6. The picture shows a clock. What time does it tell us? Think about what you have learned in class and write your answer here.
6:39
